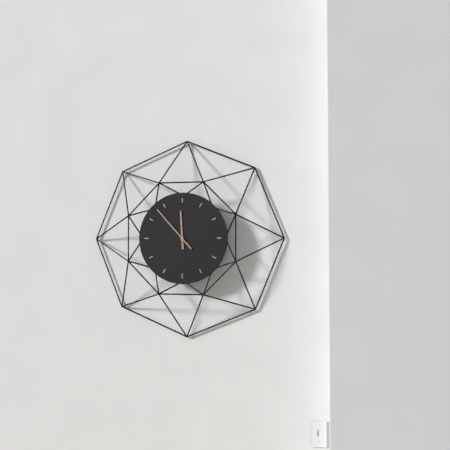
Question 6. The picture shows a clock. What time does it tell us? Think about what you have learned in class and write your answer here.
11:53
